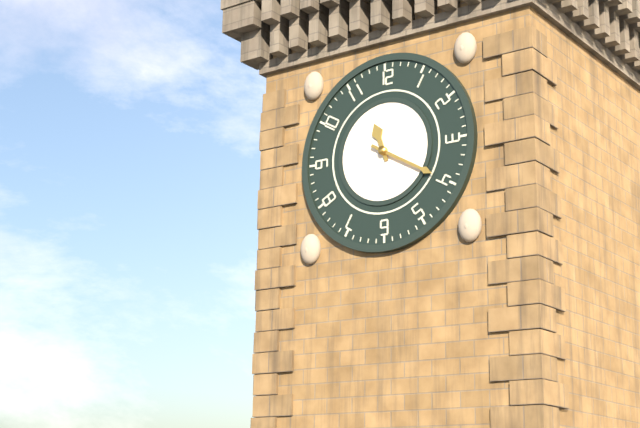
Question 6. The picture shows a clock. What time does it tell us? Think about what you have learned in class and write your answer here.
11:20
